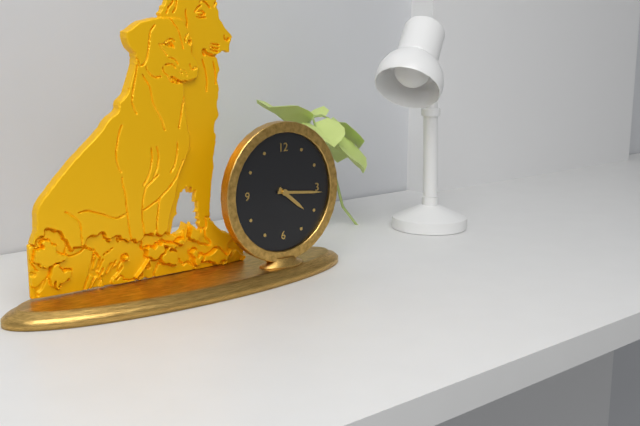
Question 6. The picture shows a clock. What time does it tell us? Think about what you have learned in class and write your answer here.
4:16
